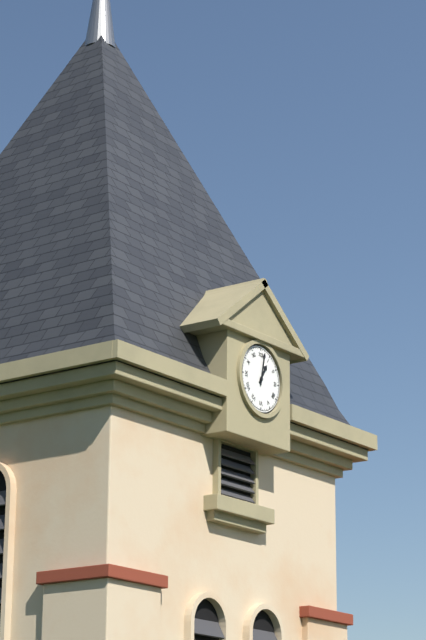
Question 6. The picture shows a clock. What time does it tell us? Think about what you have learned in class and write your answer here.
1:02
